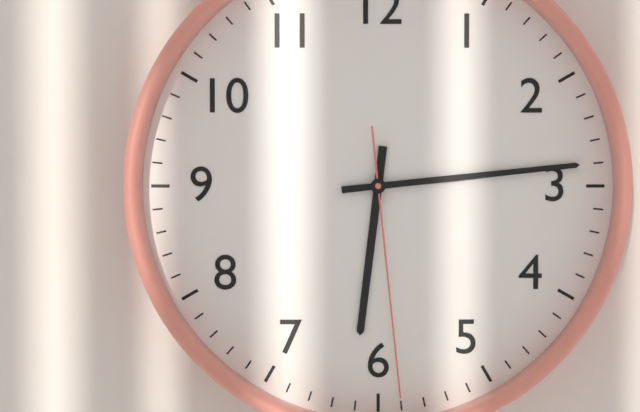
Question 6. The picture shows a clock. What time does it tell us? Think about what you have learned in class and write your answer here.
6:14:29
